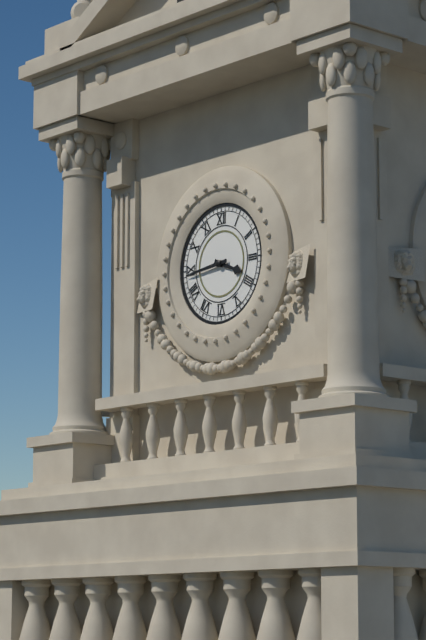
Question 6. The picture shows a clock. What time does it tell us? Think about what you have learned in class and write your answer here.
3:44
